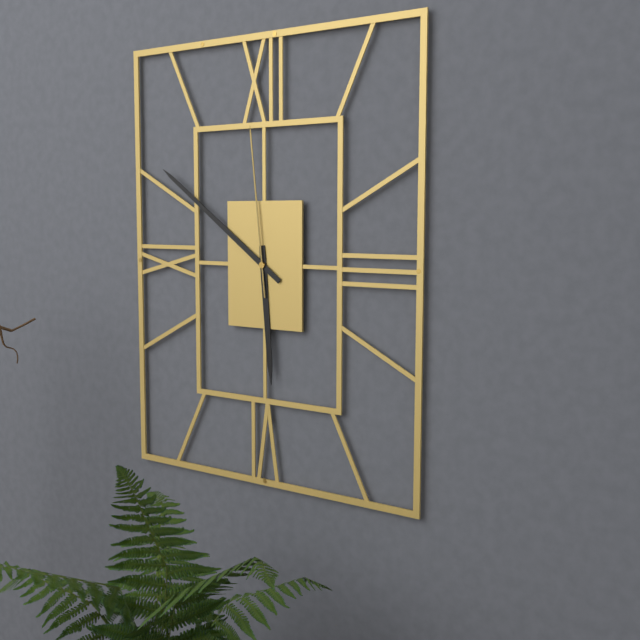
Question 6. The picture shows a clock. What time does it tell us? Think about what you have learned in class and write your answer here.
5:51:59
